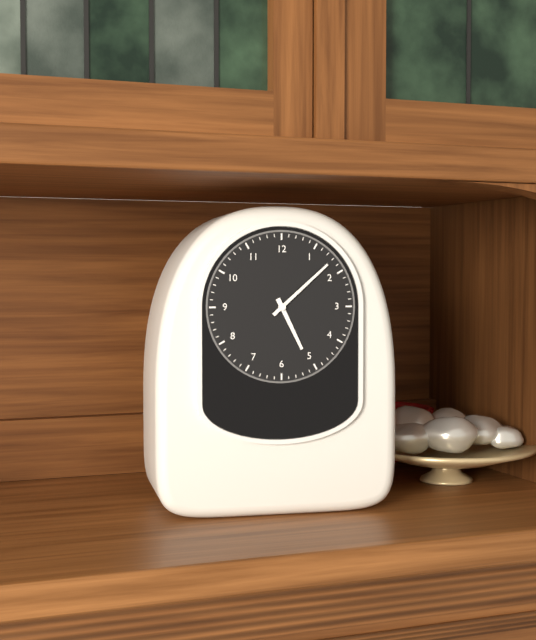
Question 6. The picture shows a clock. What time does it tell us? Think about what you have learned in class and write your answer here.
5:08
